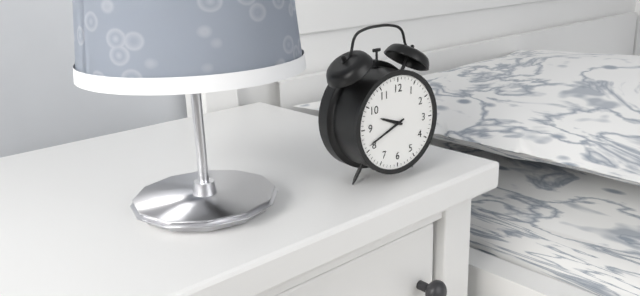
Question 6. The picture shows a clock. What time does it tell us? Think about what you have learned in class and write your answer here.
9:41
